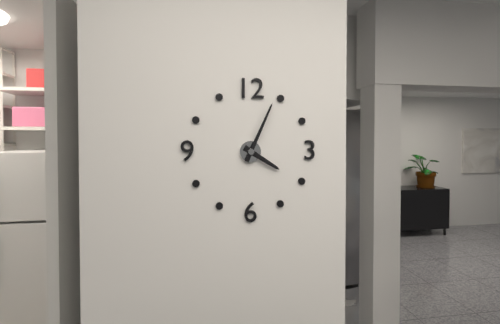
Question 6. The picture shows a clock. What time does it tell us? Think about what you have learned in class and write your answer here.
4:04
